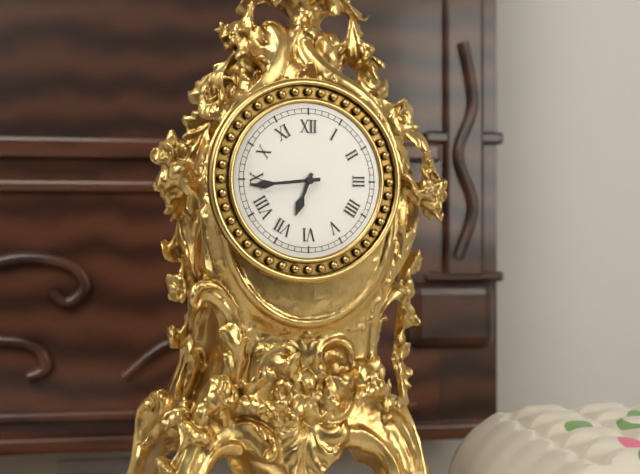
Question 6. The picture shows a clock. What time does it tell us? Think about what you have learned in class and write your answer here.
6:44
